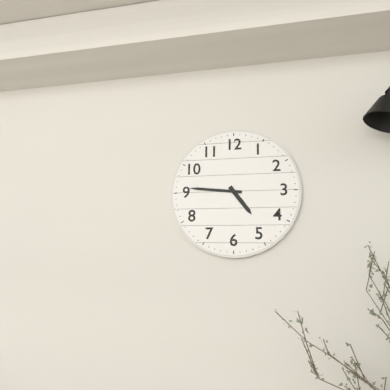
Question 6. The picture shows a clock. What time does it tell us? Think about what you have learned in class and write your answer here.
4:46
